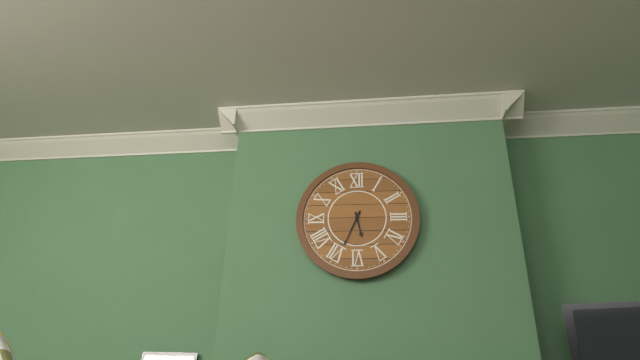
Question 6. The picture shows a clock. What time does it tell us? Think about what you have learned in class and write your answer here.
5:34
